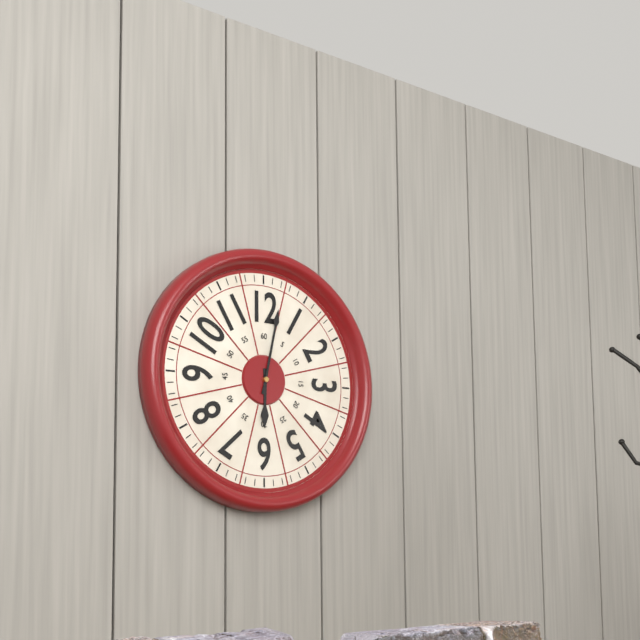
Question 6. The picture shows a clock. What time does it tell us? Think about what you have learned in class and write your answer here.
6:02
